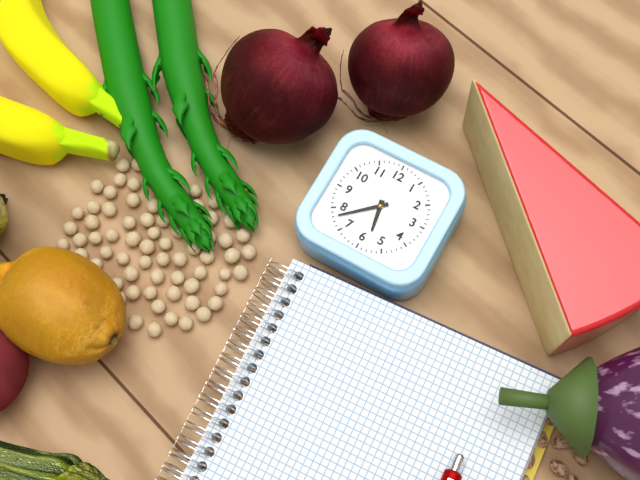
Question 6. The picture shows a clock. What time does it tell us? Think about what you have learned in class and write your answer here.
5:38
